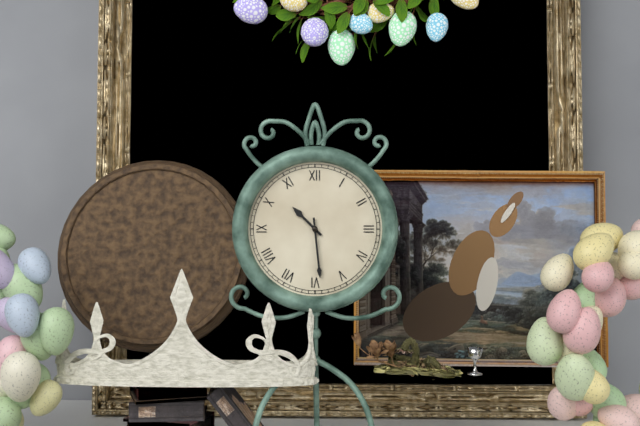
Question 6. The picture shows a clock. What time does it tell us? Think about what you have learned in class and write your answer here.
10:29
